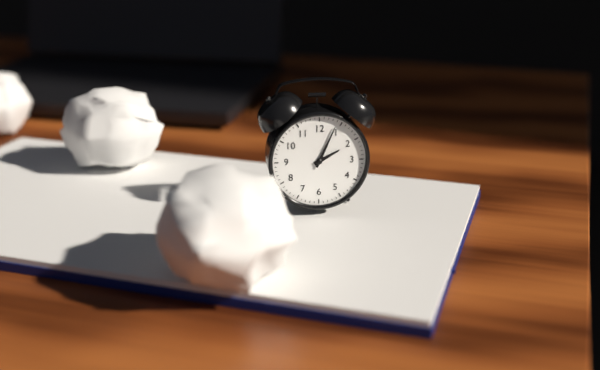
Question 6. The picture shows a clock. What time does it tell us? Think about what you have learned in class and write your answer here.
2:04
